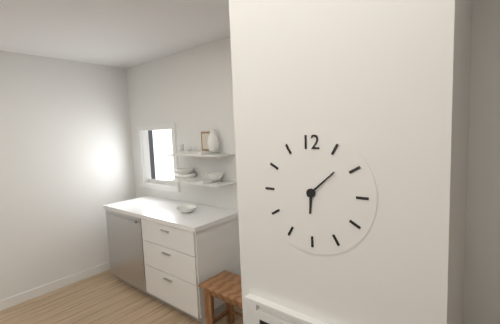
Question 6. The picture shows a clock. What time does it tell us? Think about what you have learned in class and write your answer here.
6:08
